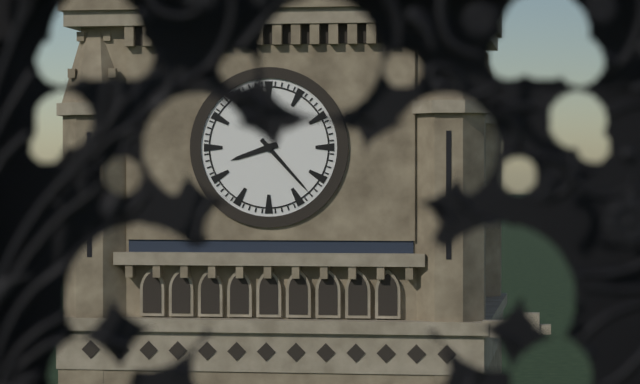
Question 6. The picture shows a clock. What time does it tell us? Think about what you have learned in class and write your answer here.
8:23
